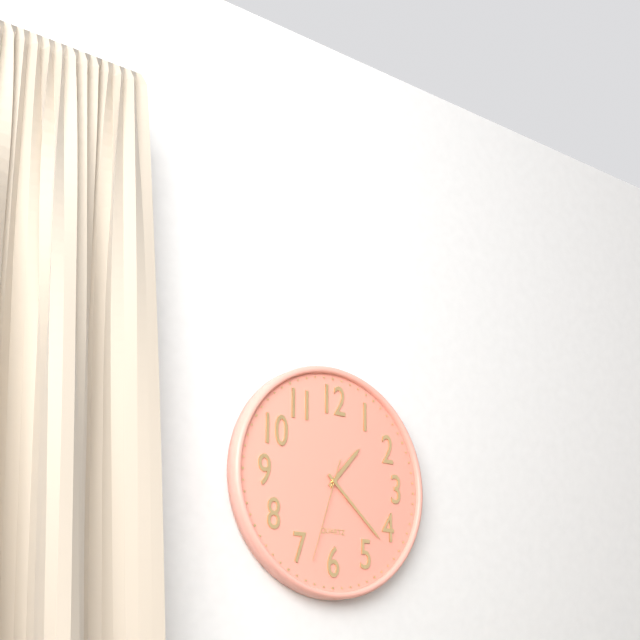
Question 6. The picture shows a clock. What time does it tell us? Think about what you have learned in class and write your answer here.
1:22:33
